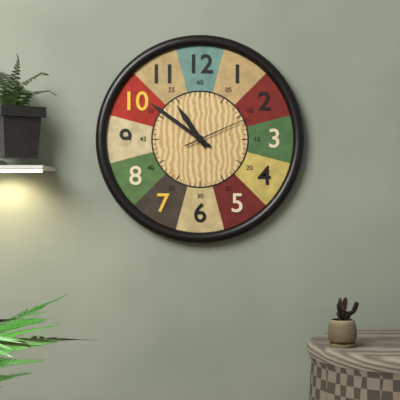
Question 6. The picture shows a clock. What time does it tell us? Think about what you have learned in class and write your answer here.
10:51:11
